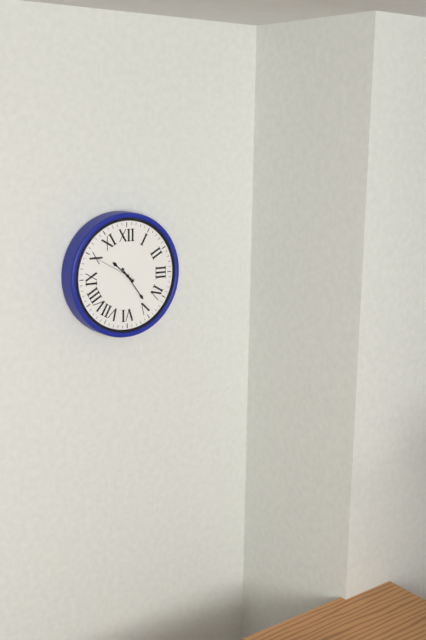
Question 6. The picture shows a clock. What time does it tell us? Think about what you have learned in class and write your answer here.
10:24
